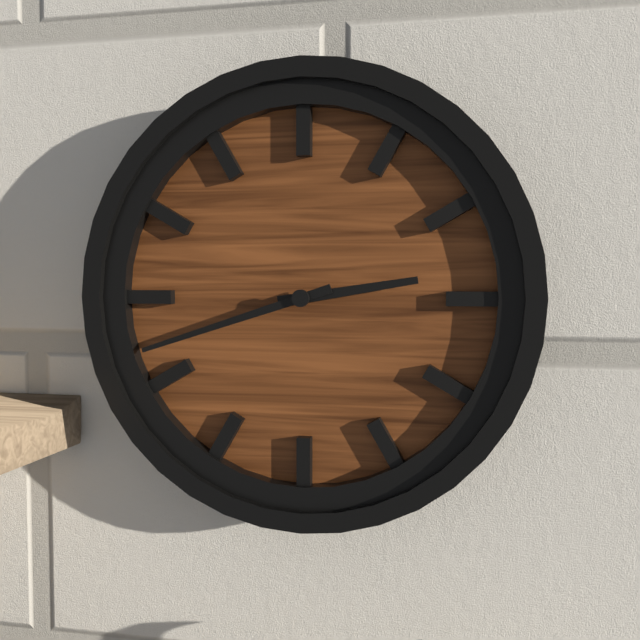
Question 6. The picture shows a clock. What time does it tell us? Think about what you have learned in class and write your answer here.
2:42
